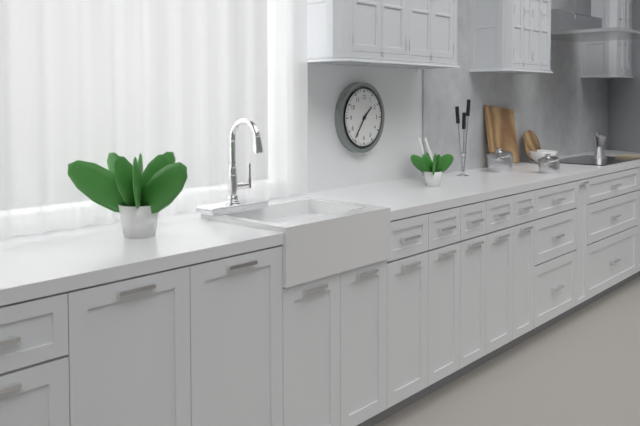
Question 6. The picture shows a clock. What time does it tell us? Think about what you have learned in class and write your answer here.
1:36
